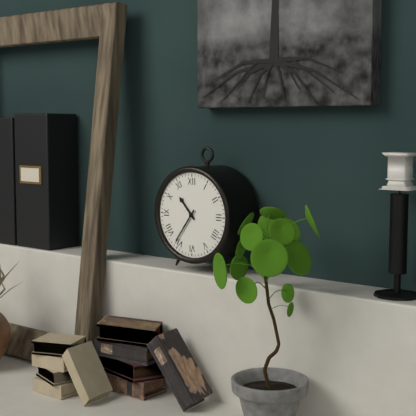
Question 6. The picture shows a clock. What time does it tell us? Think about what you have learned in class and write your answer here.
10:36
